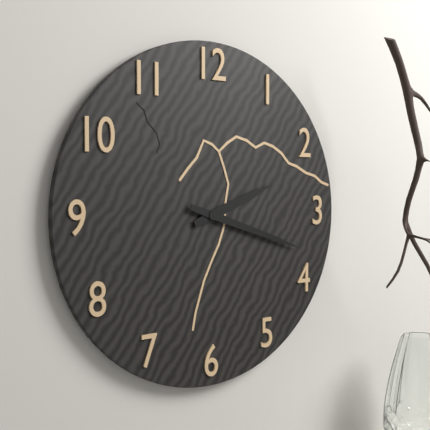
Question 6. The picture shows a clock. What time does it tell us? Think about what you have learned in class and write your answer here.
2:18
